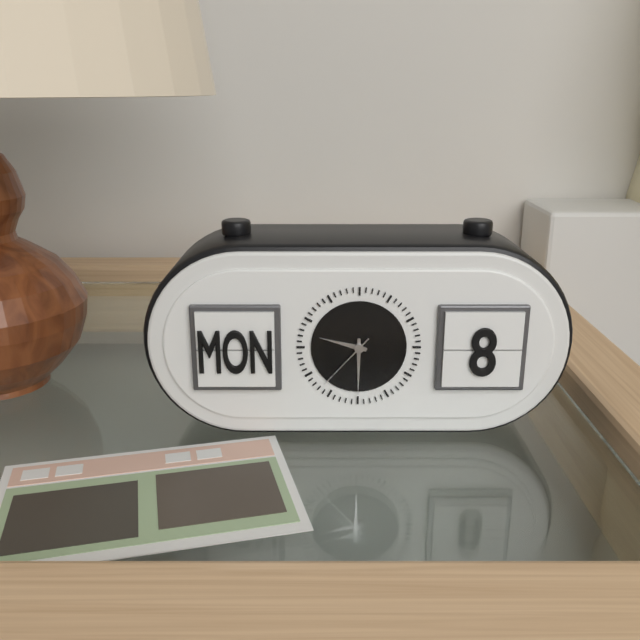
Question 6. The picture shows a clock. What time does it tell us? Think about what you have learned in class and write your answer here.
9:30:37
